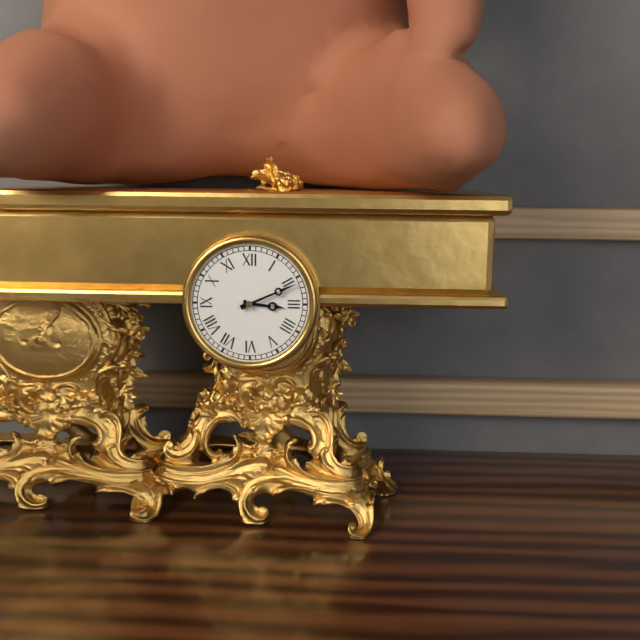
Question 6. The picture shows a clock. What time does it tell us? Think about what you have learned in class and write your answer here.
3:11
